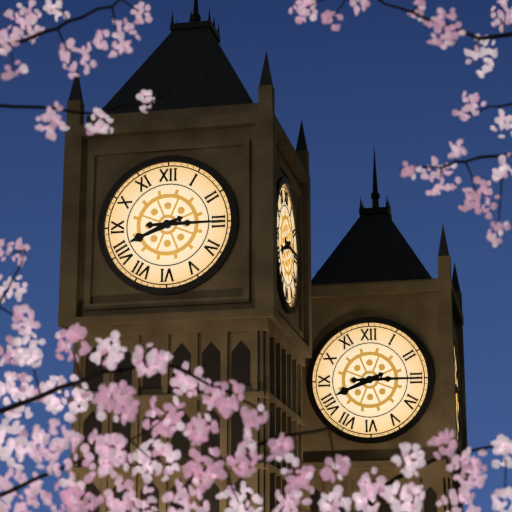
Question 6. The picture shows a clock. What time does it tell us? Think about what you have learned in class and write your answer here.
8:15
